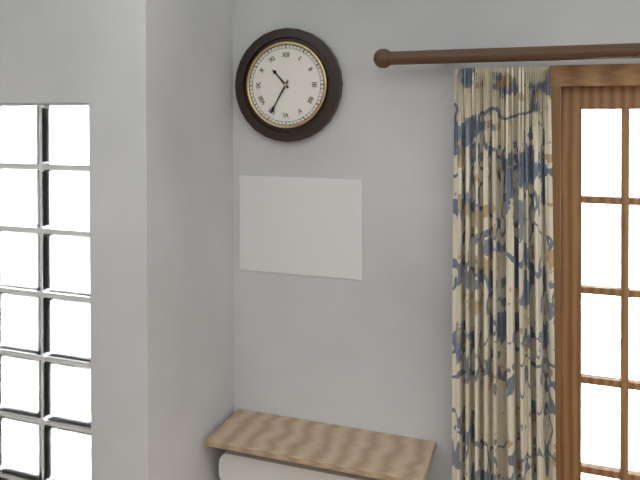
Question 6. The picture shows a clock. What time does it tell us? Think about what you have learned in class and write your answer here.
10:35
